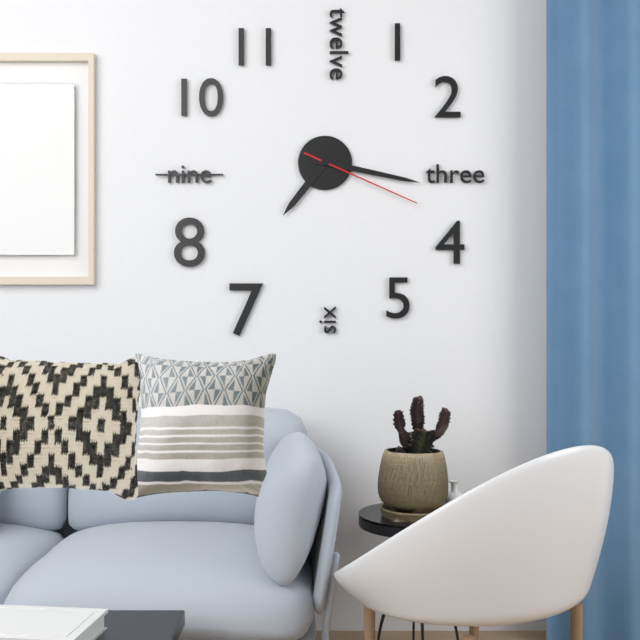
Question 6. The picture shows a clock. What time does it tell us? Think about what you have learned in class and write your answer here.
7:17:19
